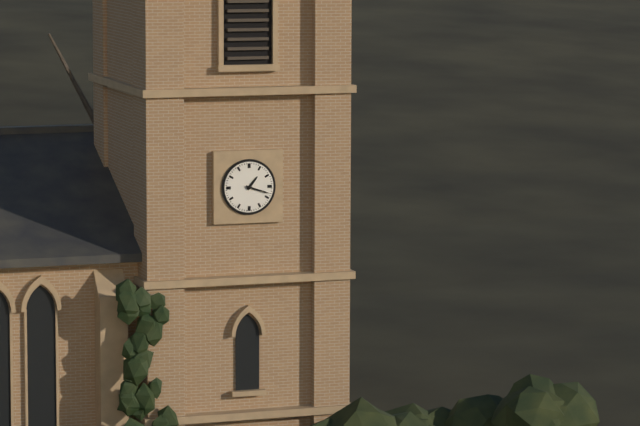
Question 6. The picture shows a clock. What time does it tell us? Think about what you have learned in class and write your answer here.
1:18
